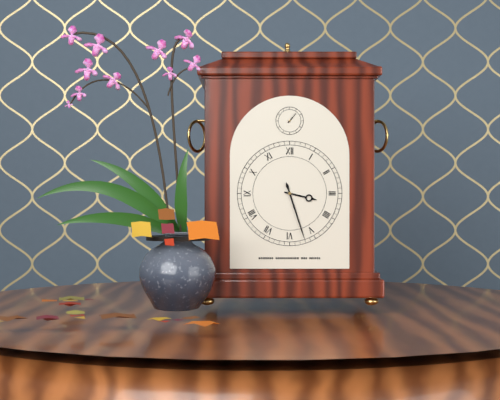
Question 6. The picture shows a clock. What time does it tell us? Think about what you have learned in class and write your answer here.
3:27
